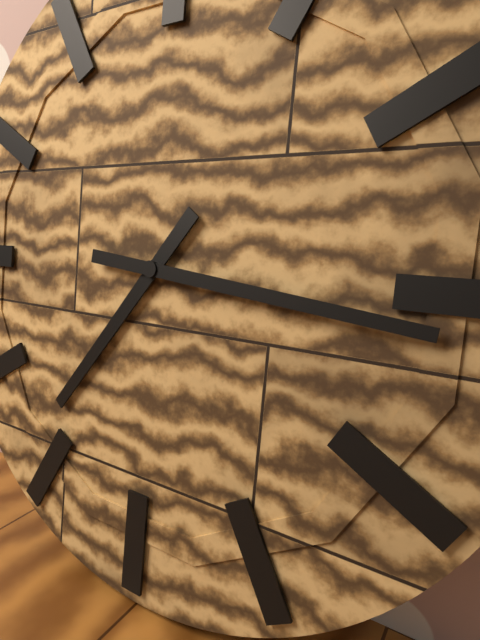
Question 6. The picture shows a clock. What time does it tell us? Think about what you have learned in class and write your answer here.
7:16
